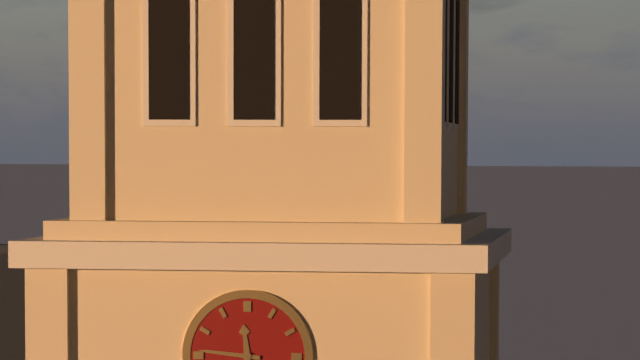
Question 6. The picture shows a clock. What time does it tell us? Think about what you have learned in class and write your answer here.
11:46
